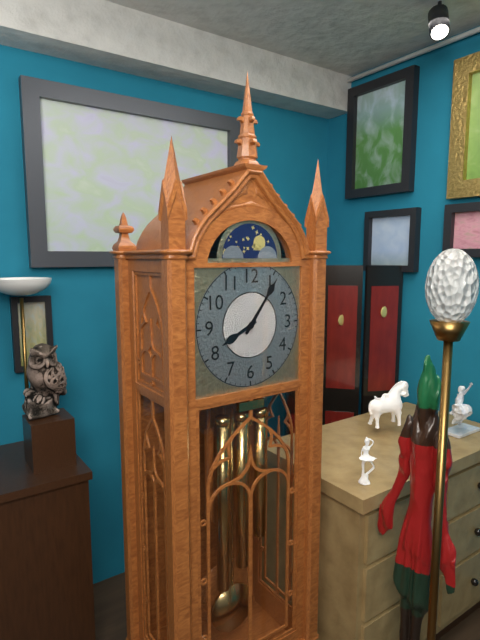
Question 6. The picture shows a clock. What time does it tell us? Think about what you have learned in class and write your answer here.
8:06
